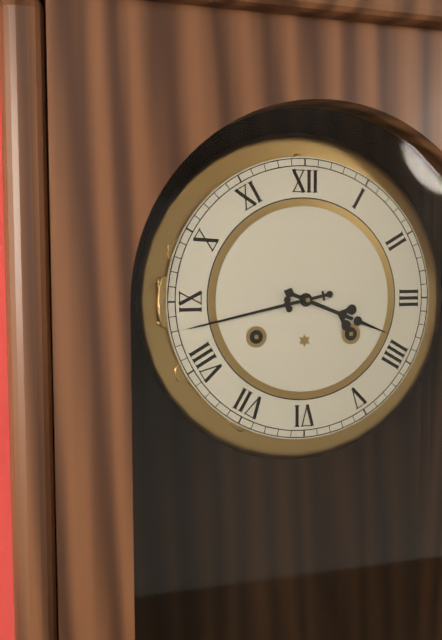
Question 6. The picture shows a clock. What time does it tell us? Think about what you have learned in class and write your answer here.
3:43
